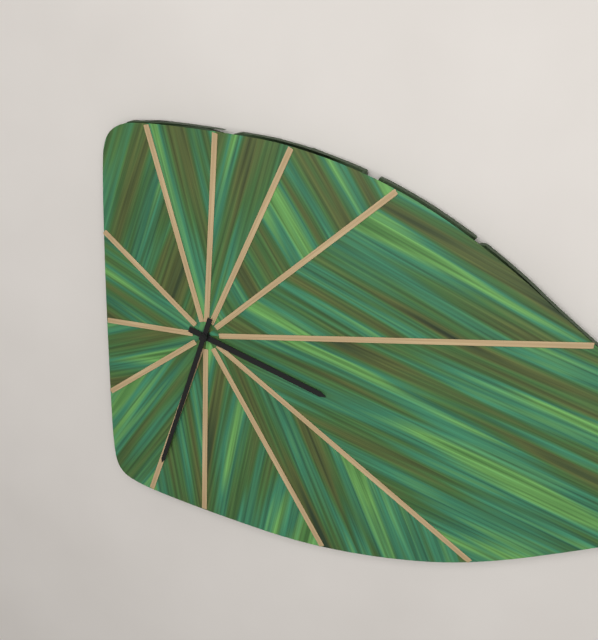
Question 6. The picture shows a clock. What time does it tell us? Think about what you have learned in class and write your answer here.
3:33
